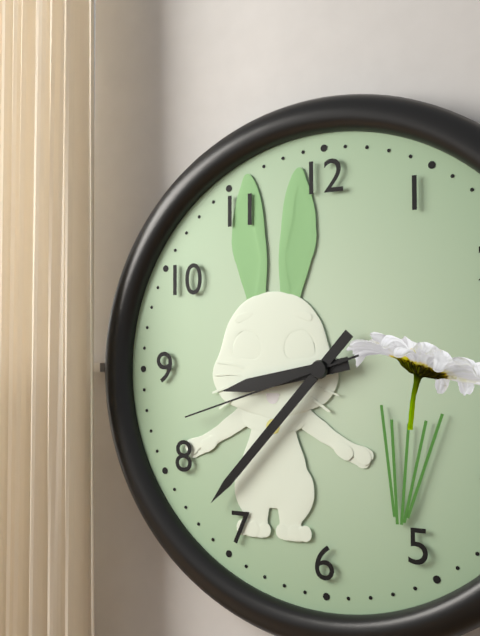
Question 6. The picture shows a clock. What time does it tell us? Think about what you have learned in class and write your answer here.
8:37:42
